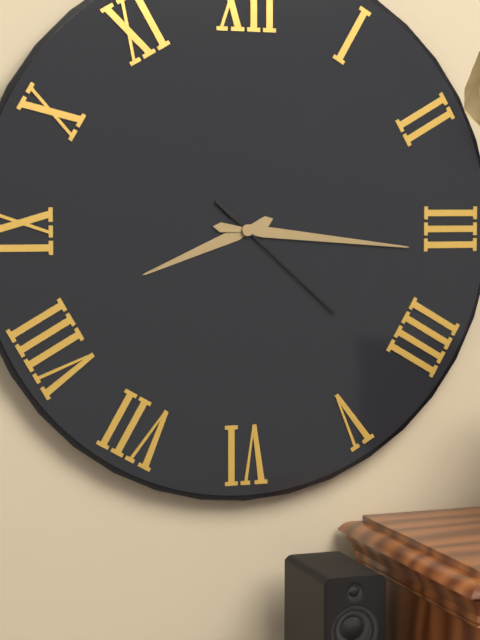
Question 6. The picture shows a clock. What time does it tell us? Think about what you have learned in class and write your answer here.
8:16:22
